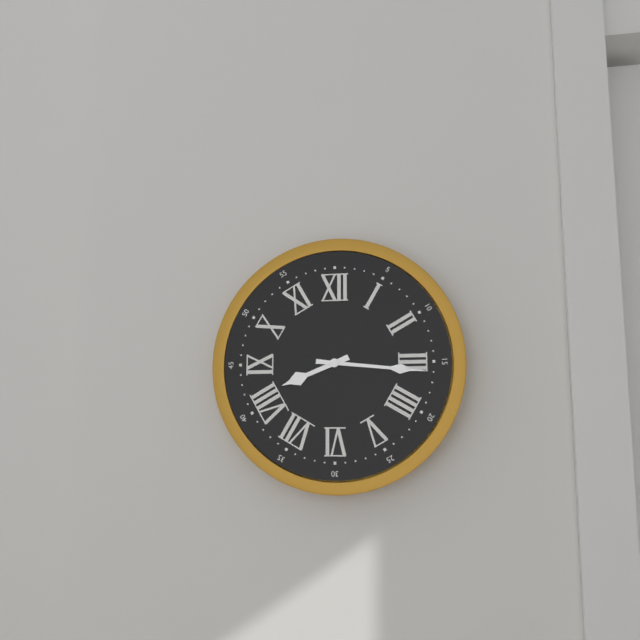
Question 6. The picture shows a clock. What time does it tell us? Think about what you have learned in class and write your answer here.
8:16
